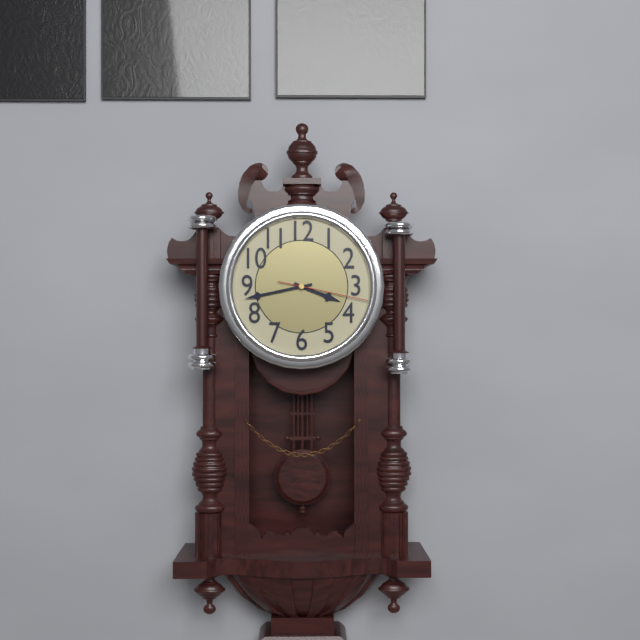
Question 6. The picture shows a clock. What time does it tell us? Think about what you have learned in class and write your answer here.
3:43:17
